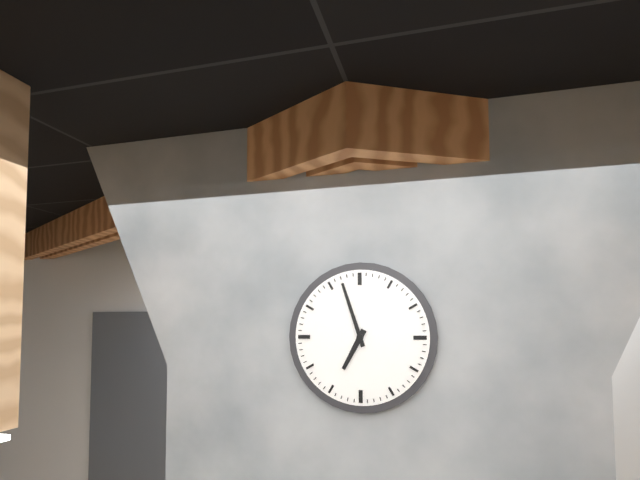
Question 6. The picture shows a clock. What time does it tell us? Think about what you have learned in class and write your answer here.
6:57
